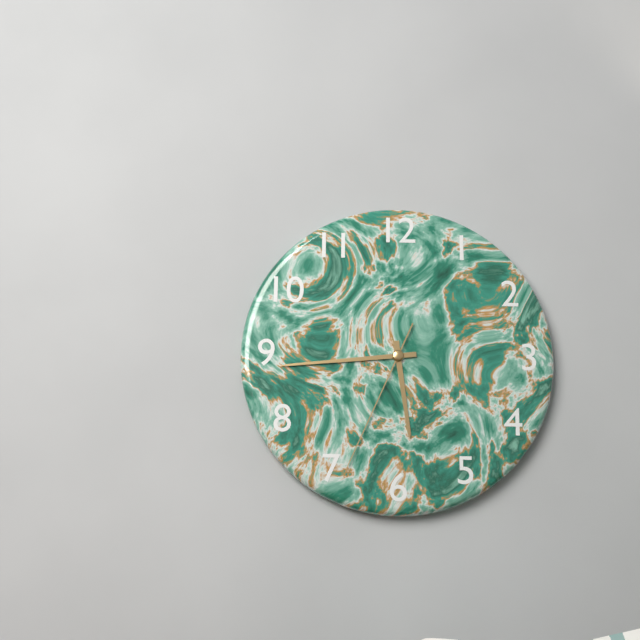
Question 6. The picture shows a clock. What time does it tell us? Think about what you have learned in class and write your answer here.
5:44:34
